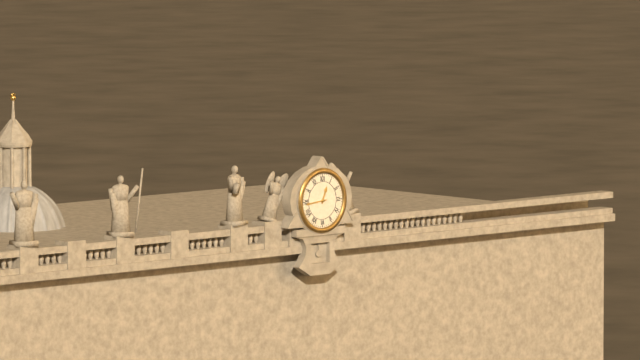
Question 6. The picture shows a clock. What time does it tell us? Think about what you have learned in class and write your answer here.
12:44
